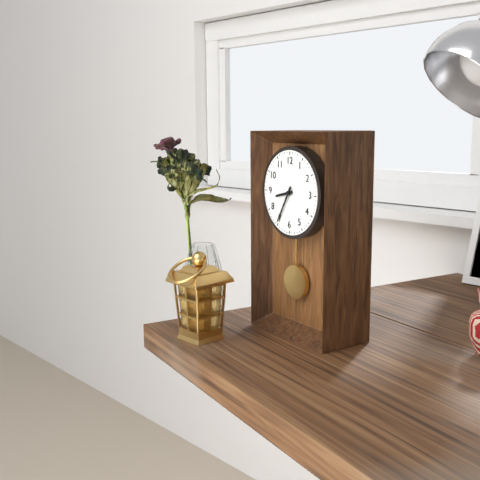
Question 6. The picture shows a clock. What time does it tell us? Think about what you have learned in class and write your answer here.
8:35
